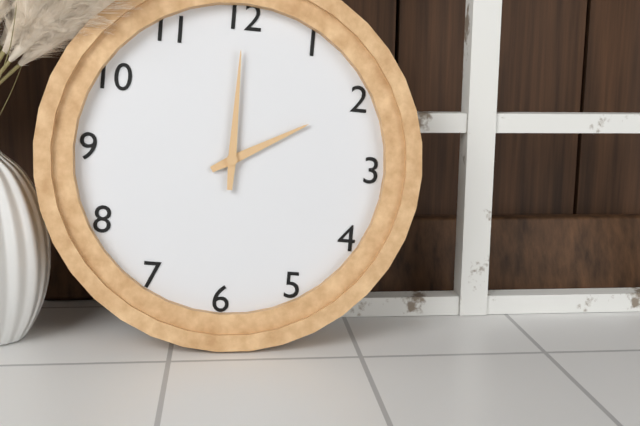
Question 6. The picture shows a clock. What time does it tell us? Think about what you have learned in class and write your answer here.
2:00
